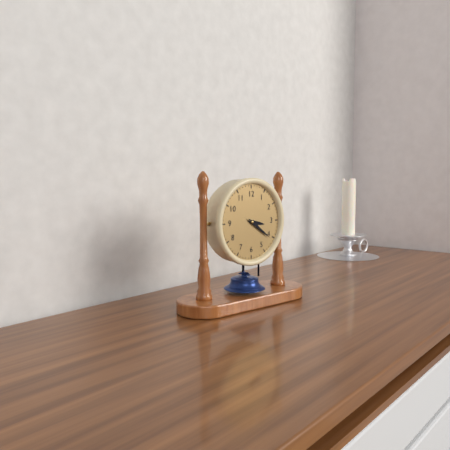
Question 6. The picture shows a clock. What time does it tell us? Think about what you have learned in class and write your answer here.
3:21
